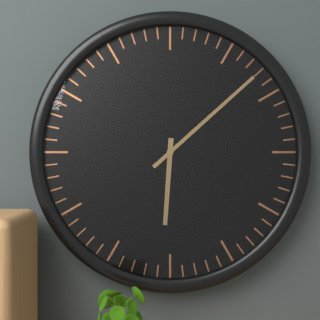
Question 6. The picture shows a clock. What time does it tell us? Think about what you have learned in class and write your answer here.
6:08
